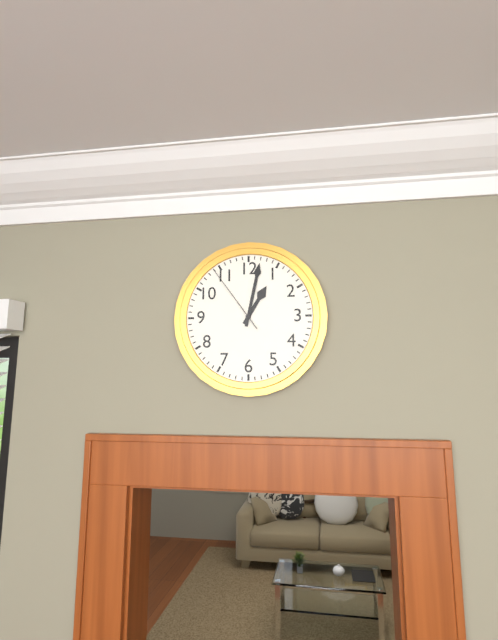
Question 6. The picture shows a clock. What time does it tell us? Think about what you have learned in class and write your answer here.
1:02:54
